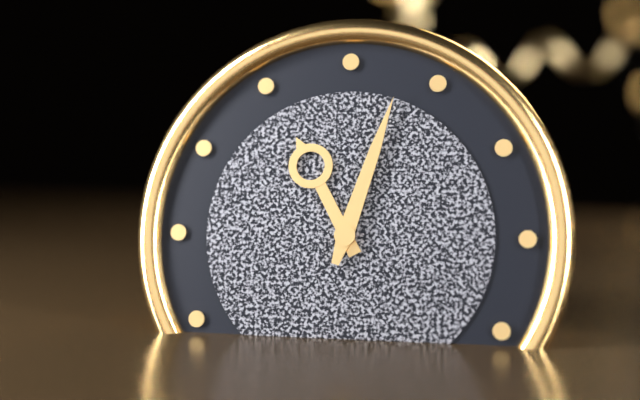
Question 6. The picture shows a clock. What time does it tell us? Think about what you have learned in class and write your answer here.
11:03
